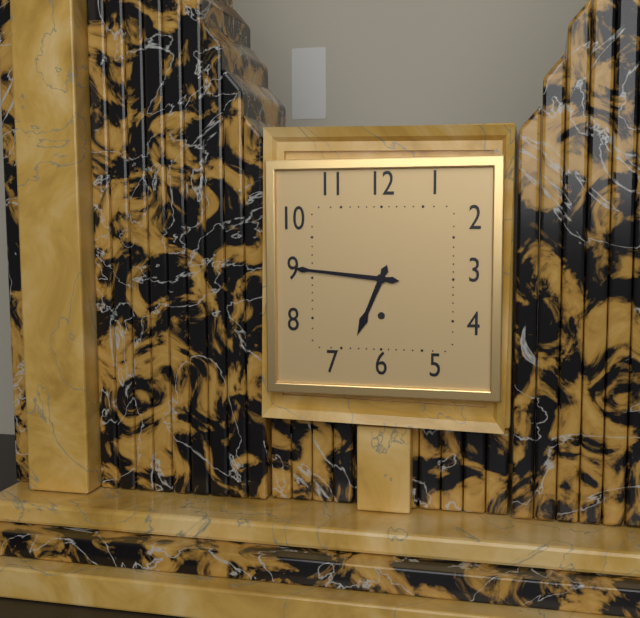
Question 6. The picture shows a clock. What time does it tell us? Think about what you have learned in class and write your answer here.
6:46
